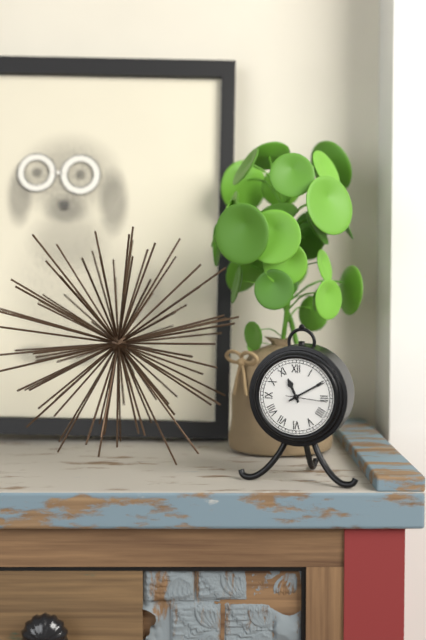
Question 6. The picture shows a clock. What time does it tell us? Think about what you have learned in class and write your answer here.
11:10
